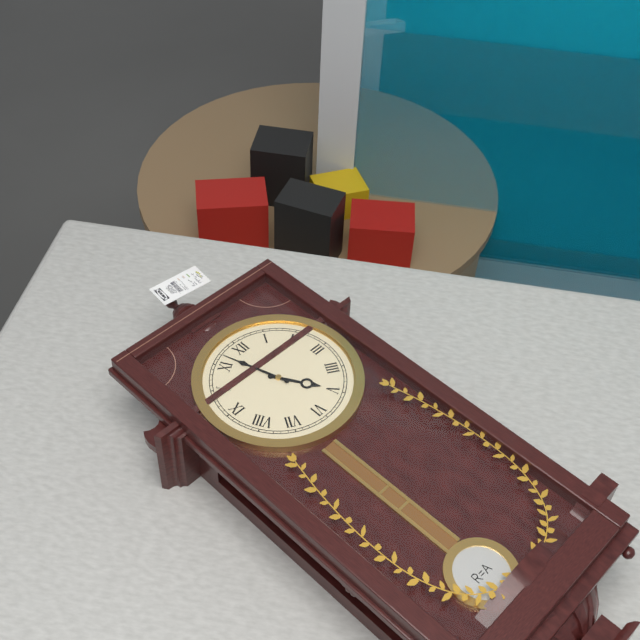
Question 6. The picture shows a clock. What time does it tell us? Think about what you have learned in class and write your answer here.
4:57
